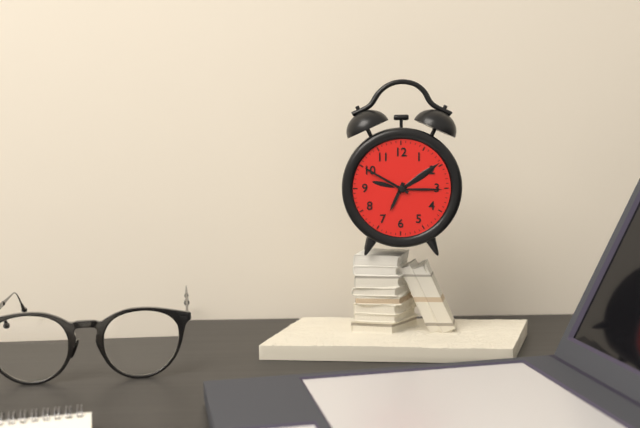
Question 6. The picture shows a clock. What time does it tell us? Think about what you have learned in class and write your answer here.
6:50
